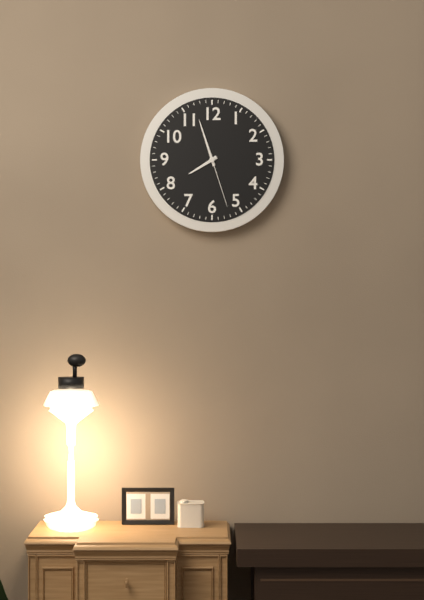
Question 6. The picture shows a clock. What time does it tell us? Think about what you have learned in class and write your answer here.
7:57:27
